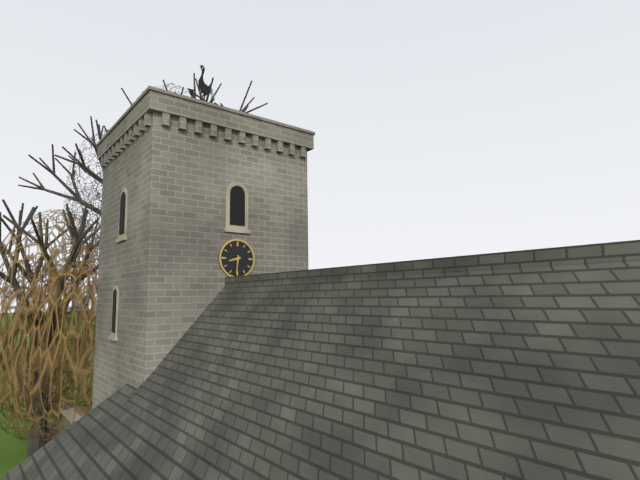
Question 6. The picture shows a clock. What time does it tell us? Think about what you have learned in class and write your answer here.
8:31
